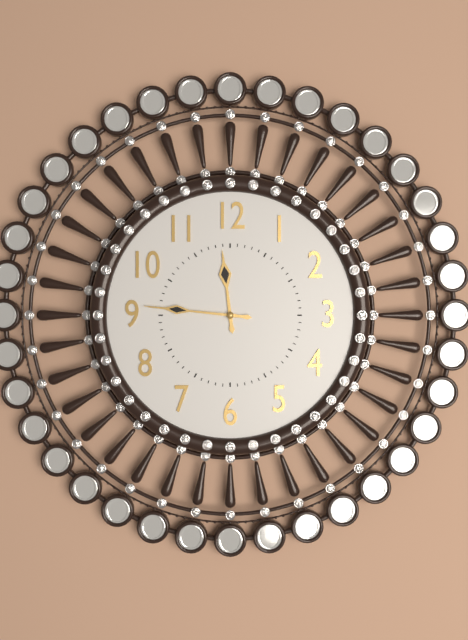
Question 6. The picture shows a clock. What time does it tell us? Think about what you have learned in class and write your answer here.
11:46
